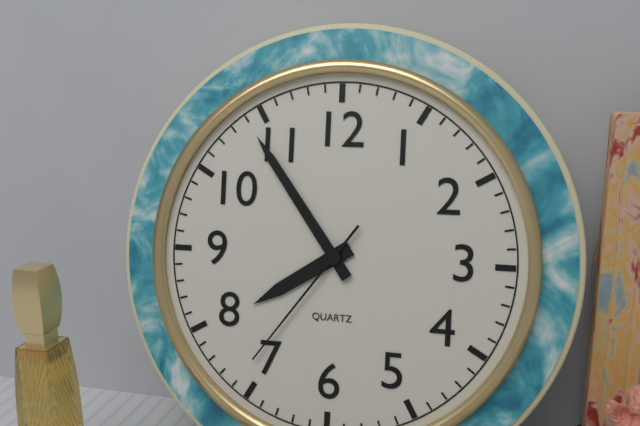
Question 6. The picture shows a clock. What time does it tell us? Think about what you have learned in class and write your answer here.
7:54:36
